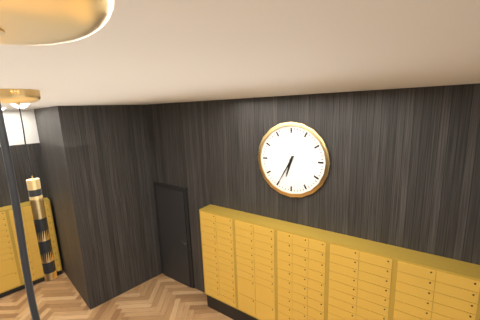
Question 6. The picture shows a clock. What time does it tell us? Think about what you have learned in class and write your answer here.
6:35
